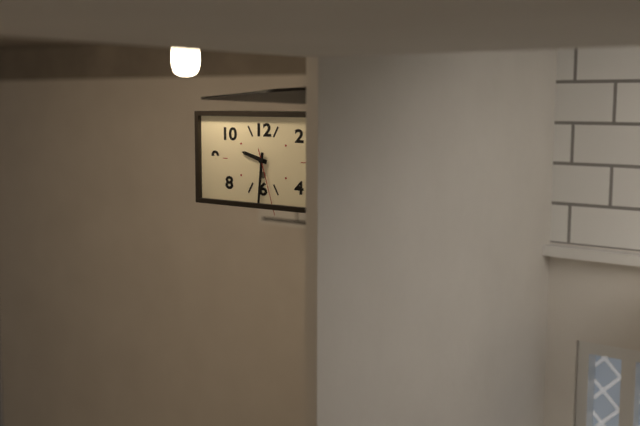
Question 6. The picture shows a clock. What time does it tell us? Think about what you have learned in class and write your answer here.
9:31:27
